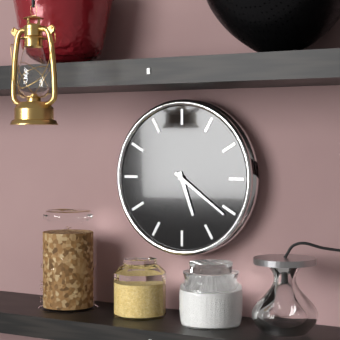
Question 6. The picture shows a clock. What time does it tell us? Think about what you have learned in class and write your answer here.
5:21
